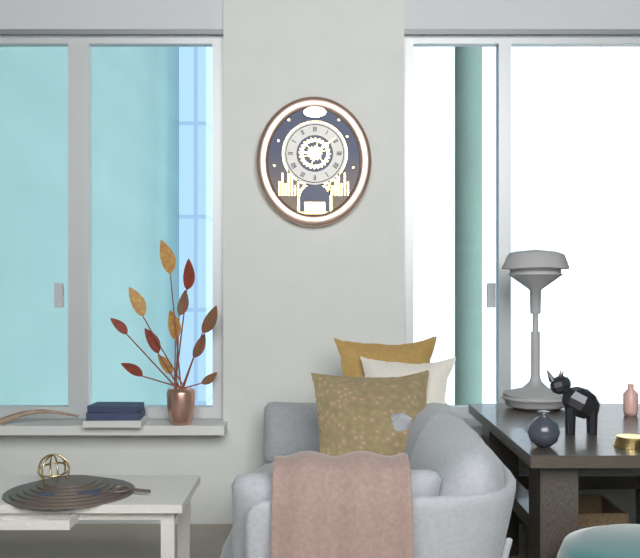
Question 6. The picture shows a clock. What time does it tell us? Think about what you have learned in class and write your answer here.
9:09
